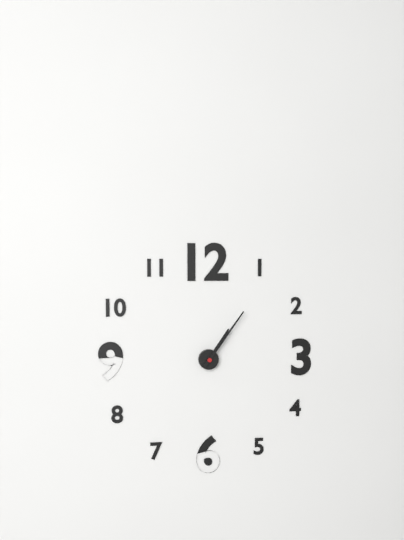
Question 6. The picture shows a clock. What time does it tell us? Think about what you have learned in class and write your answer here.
1:06
